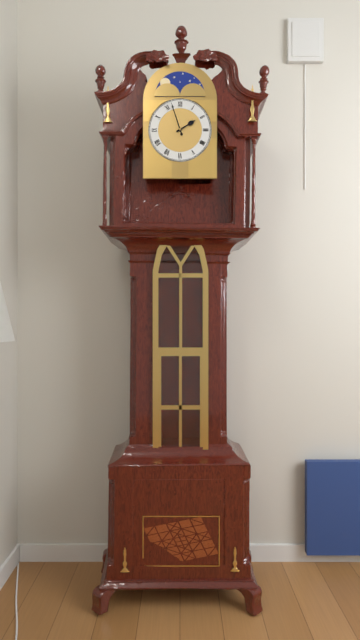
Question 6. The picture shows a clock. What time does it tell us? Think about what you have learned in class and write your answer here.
1:57
